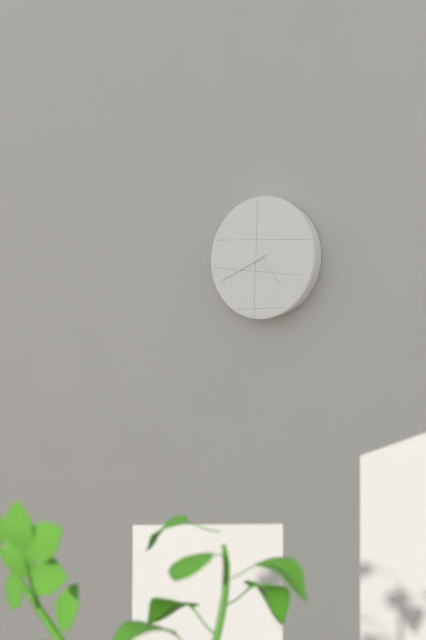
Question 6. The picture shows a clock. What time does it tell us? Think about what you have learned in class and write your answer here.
4:41
